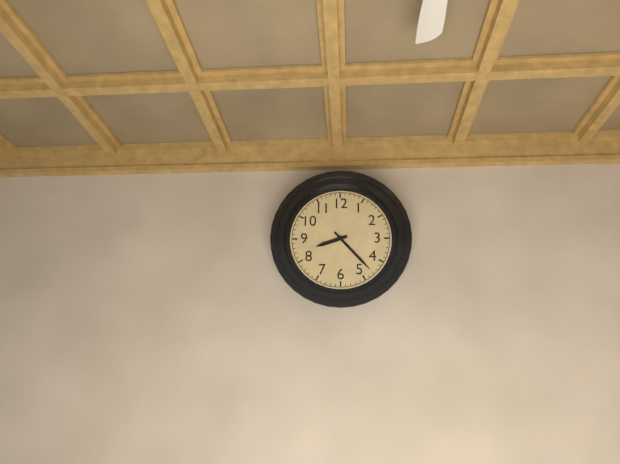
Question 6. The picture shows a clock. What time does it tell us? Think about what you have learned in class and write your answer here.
8:23
